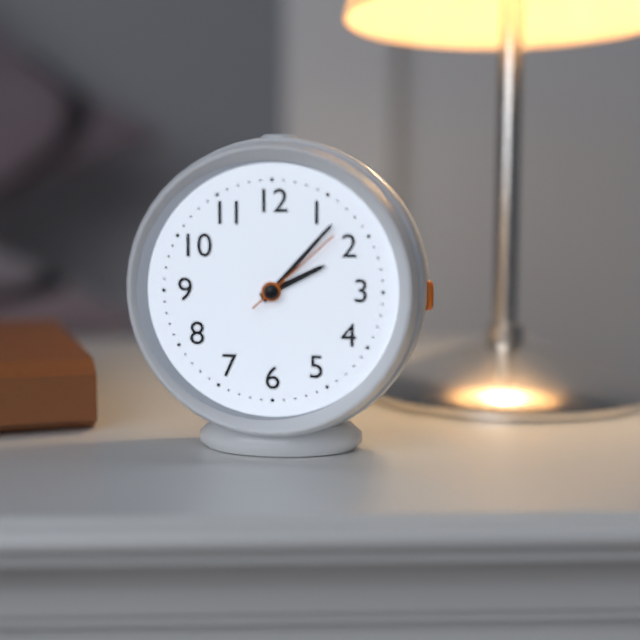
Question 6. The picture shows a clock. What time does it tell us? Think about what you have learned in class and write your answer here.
2:07:08
